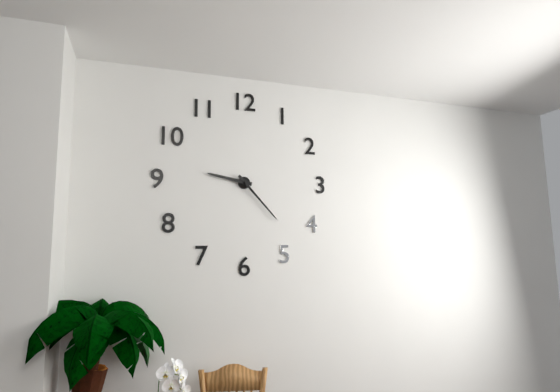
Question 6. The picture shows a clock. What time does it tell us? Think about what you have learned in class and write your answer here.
9:23
